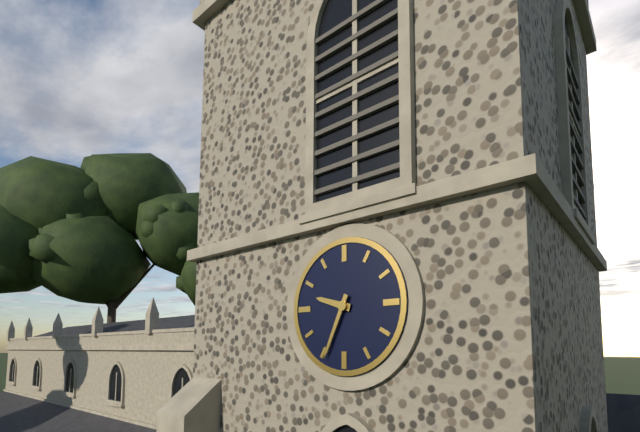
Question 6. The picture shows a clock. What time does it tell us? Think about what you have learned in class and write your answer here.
9:34
